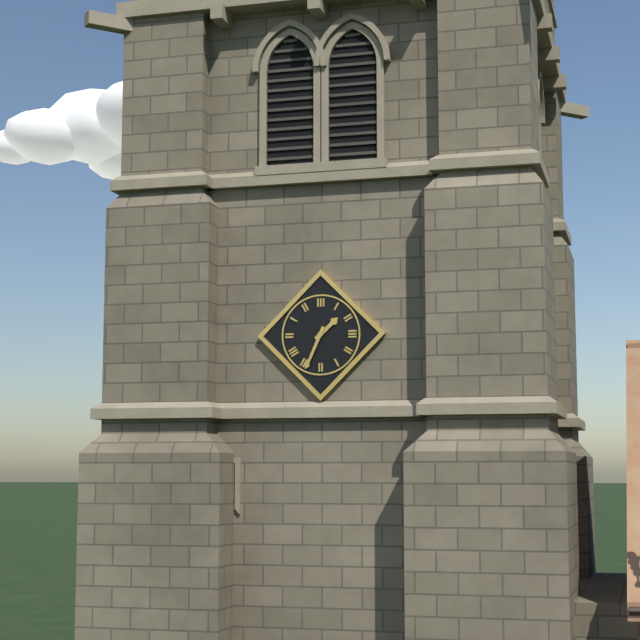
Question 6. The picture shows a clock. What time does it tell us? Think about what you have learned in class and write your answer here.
1:34
